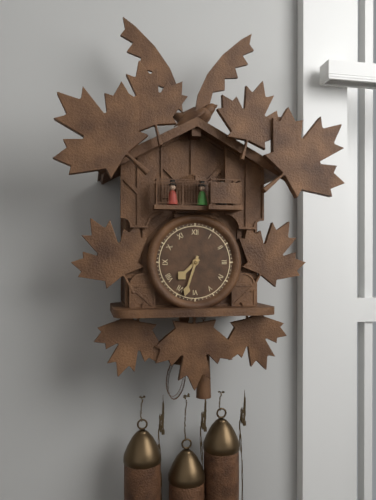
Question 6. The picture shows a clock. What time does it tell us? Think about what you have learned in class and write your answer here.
7:33
